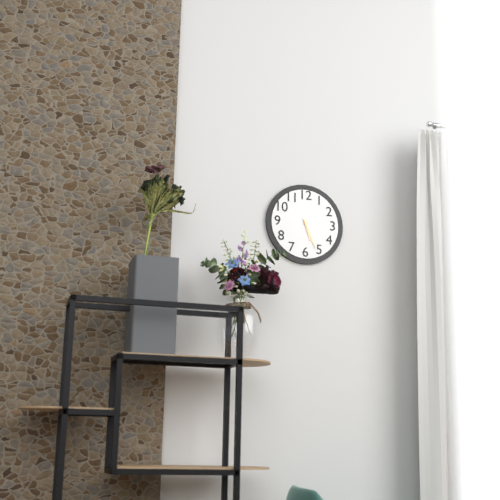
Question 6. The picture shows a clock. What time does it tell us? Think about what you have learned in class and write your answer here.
5:26
